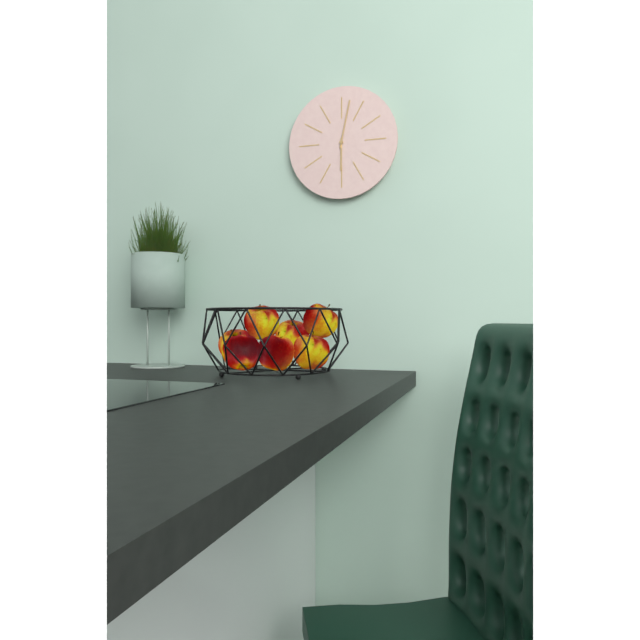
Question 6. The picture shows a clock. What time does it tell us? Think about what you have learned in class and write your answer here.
6:02
